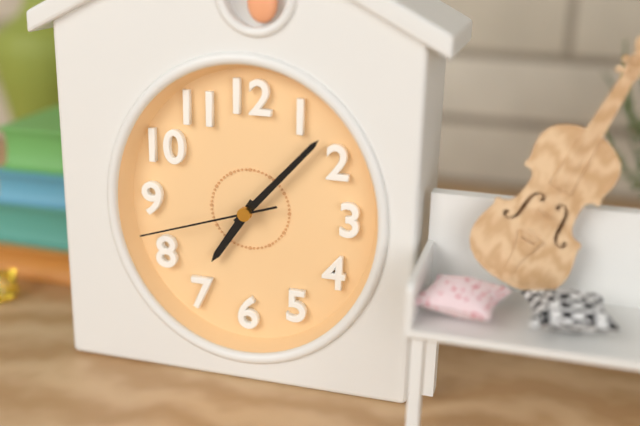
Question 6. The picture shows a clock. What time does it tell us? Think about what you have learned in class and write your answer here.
7:07:42
